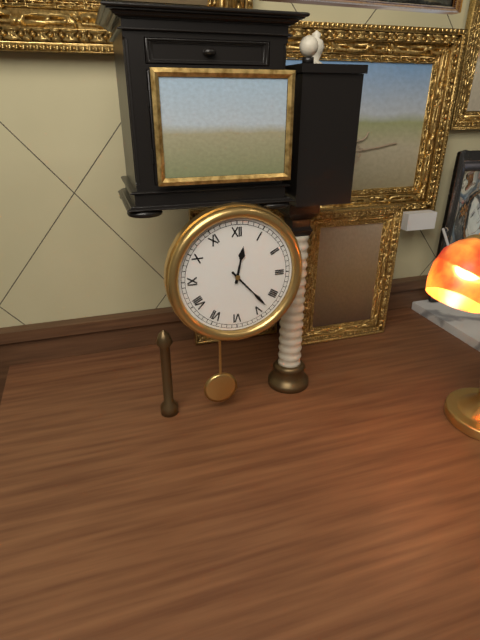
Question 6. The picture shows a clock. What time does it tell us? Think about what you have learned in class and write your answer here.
12:23
